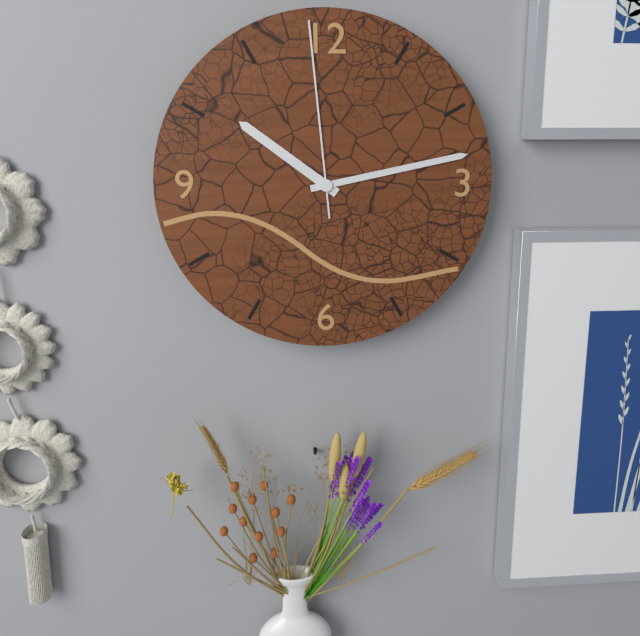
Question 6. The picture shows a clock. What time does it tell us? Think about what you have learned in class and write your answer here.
10:13:59
